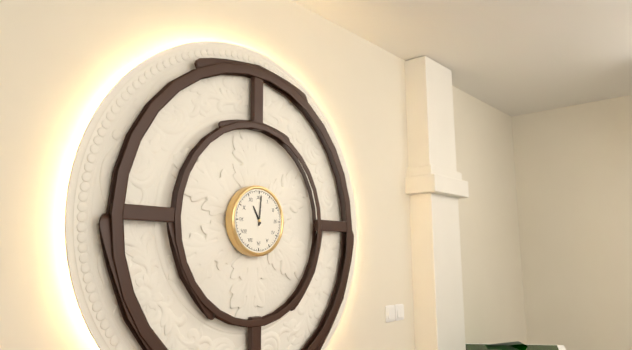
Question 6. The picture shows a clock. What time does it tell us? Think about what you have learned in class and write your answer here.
11:01
